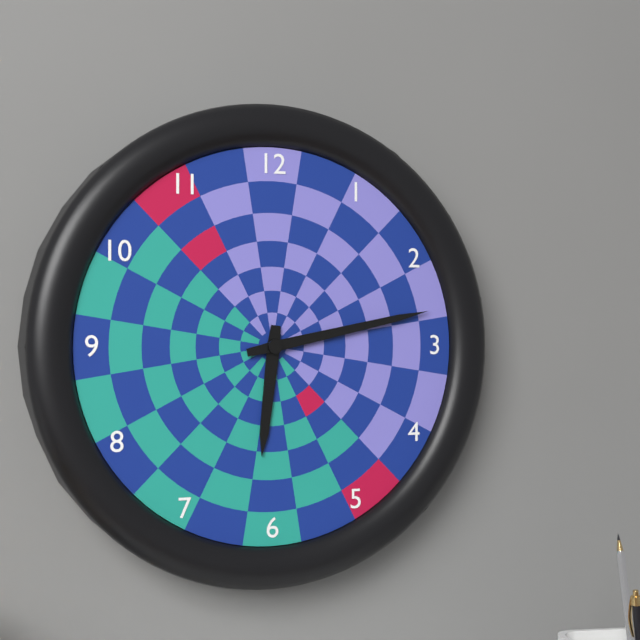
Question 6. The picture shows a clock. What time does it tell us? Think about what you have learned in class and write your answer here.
6:13
